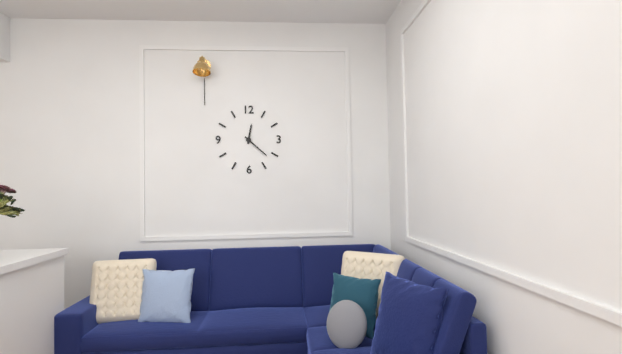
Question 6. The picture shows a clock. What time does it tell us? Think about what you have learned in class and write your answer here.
12:22
